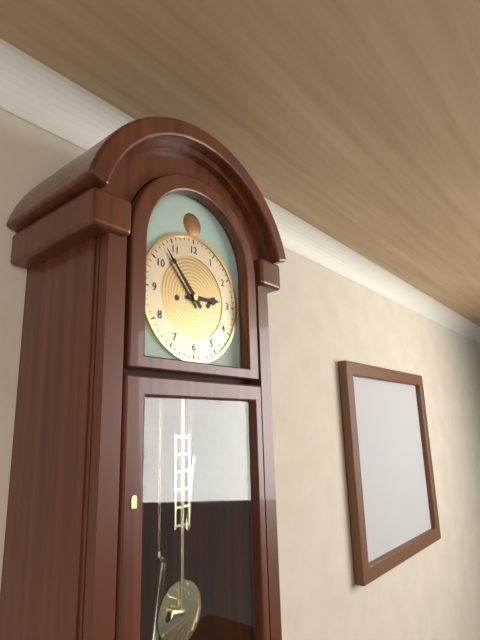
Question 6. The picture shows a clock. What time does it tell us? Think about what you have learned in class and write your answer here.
2:53
